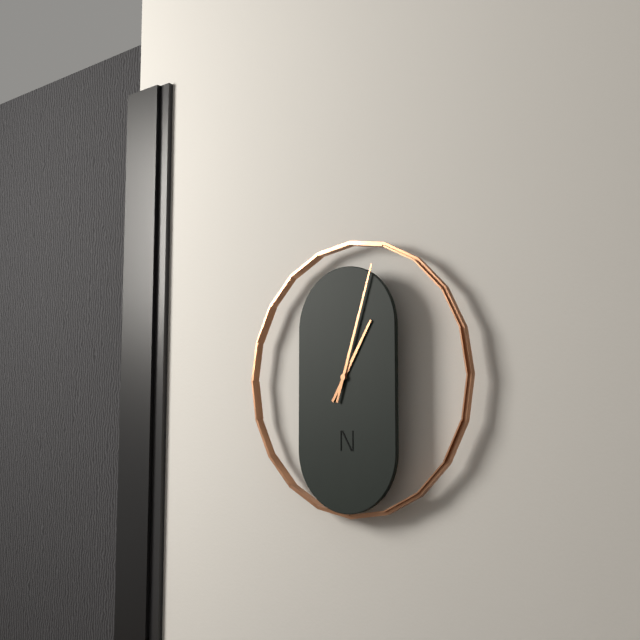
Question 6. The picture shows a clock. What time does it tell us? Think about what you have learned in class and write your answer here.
1:03
